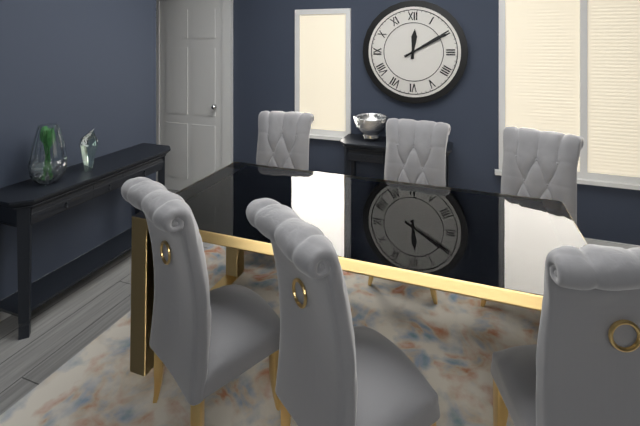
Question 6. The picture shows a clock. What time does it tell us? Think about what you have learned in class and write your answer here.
12:10
